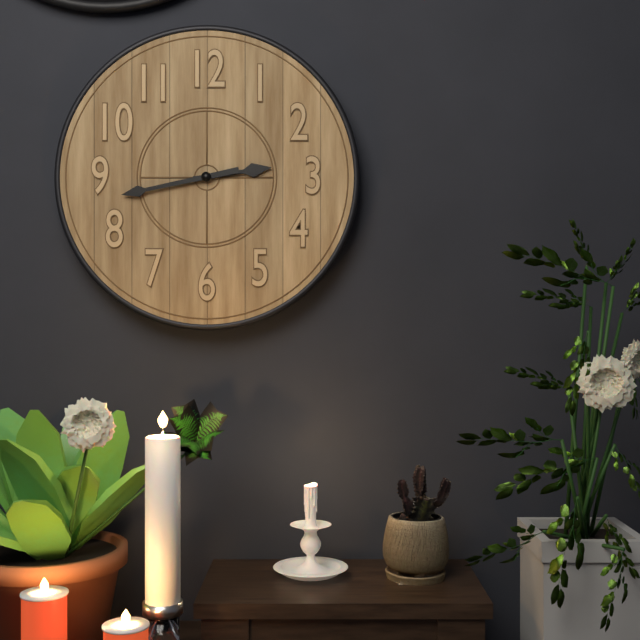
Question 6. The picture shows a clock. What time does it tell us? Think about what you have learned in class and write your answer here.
2:43
